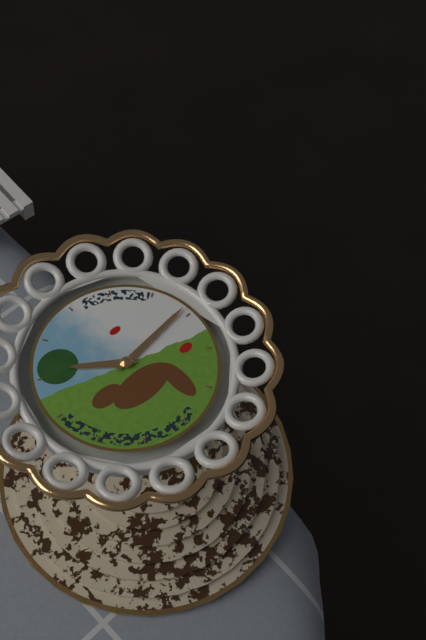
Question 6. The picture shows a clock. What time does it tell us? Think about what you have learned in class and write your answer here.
10:14
